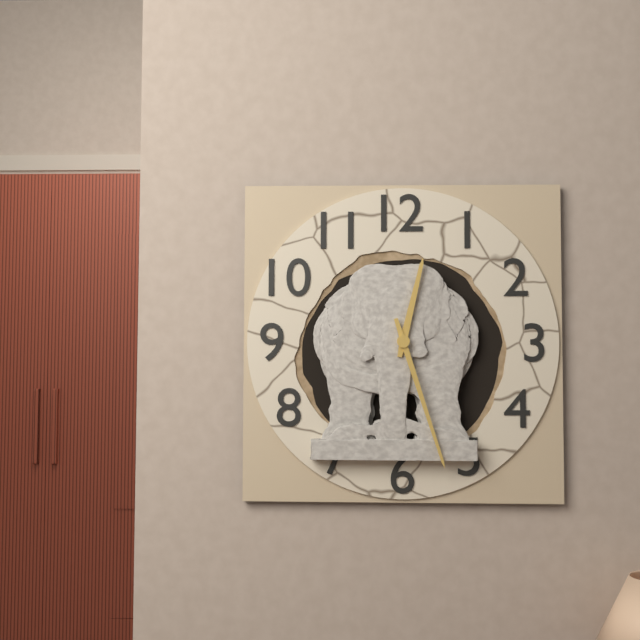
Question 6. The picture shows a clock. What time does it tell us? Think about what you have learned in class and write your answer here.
12:27
